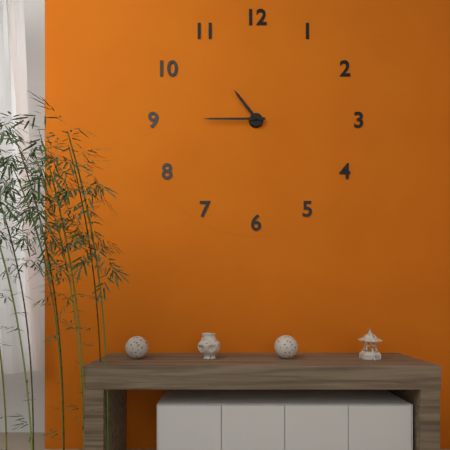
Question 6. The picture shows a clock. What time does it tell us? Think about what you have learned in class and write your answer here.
10:45
